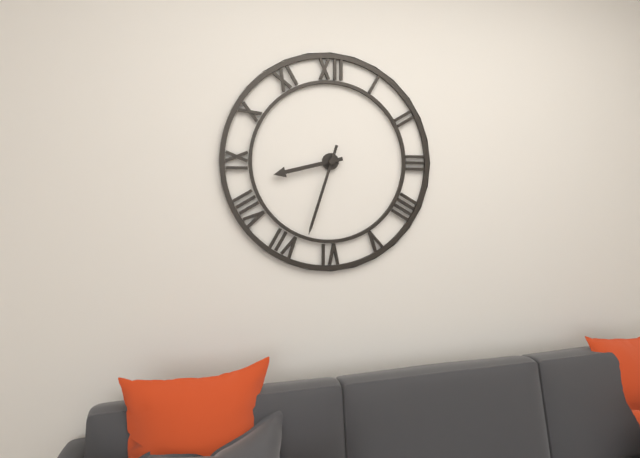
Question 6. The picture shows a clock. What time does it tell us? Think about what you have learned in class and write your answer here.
8:33
